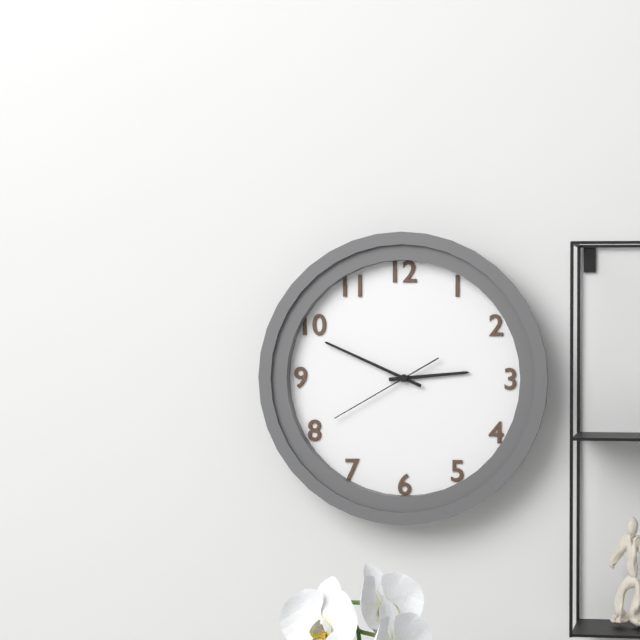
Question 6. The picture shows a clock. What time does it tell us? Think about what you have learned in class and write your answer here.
2:49:40
